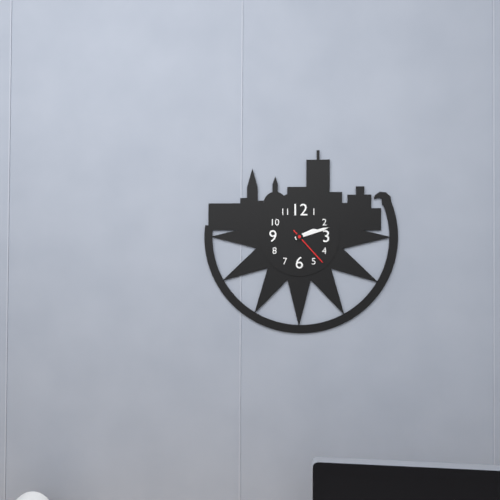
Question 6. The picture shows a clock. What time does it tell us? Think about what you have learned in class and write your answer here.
2:12
